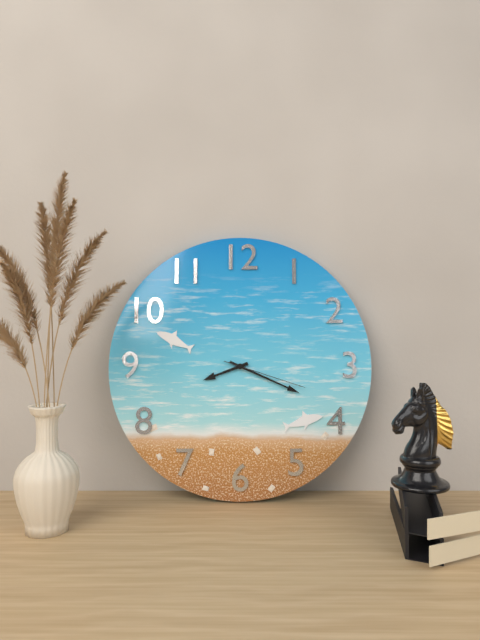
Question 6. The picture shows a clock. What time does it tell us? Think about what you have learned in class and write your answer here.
8:19:18
